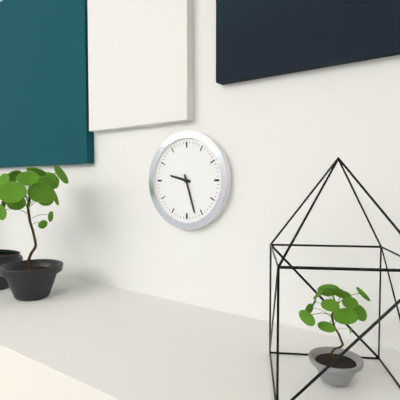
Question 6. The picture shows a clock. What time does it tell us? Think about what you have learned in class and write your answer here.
9:27
